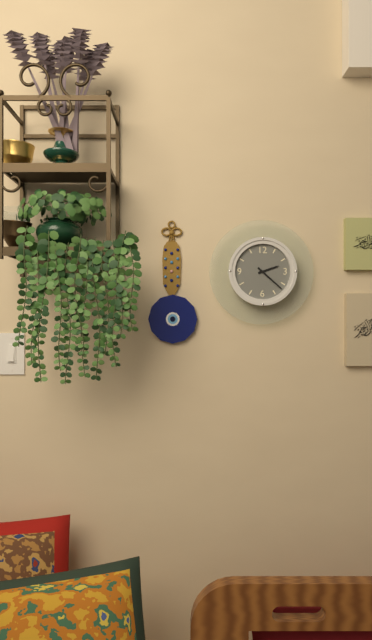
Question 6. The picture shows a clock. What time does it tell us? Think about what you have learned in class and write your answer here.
2:22
